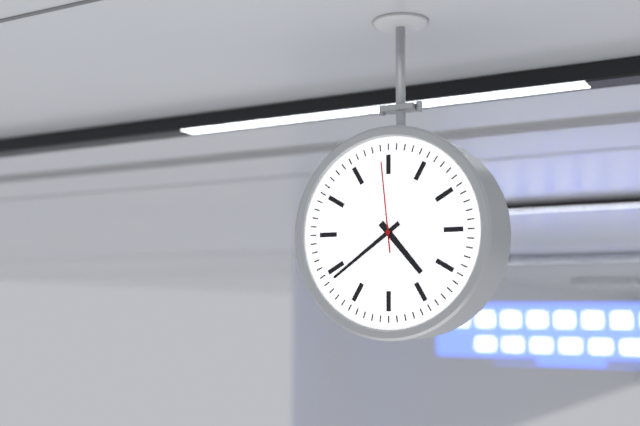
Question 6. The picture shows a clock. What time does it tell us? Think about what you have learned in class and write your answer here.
4:39:59
